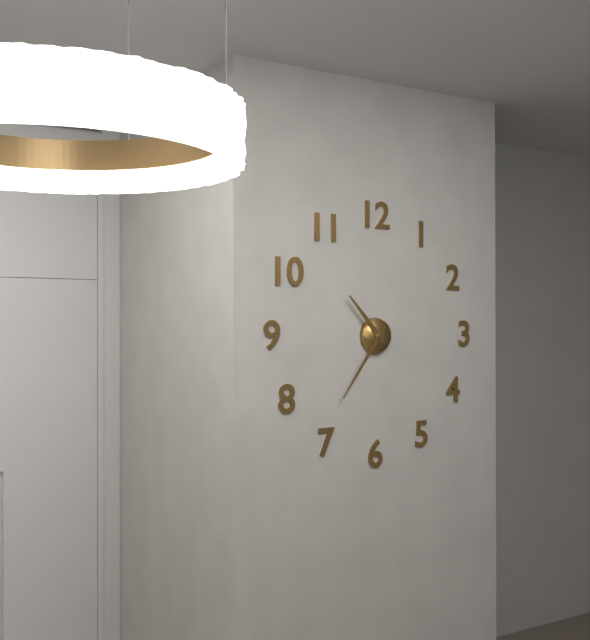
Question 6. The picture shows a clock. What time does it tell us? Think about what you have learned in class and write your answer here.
10:36
